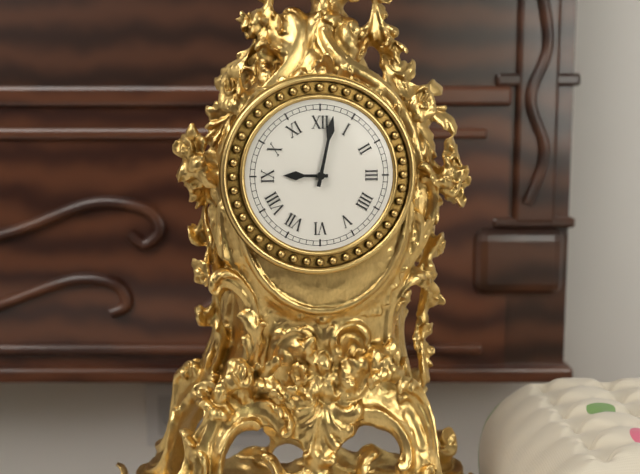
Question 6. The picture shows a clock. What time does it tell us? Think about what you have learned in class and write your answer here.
9:02
